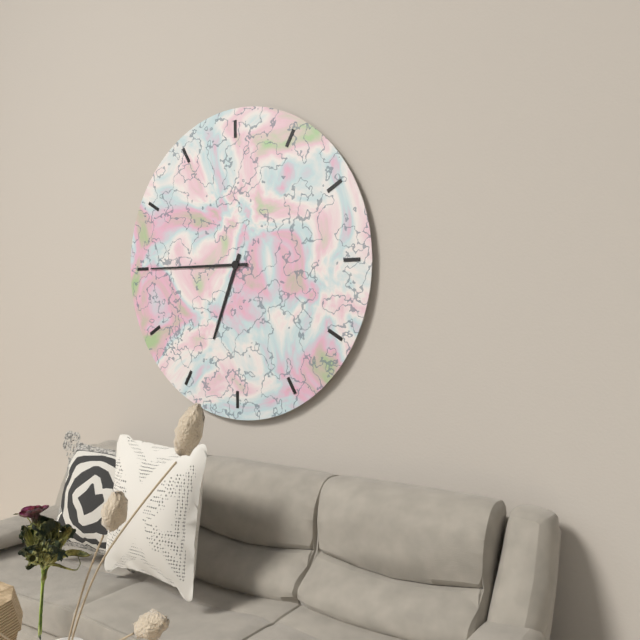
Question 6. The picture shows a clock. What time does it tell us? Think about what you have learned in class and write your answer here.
6:45
